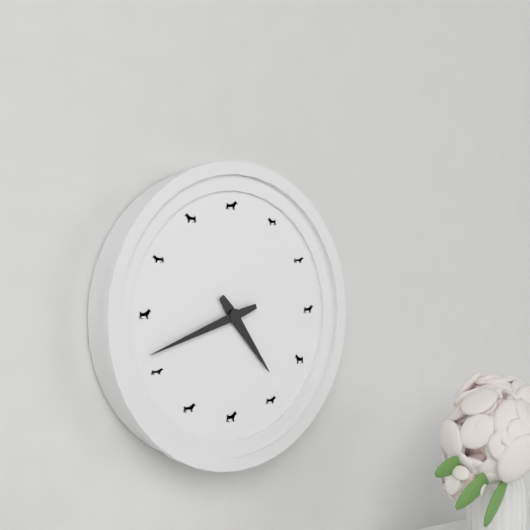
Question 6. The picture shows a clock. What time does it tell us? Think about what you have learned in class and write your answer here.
4:42
